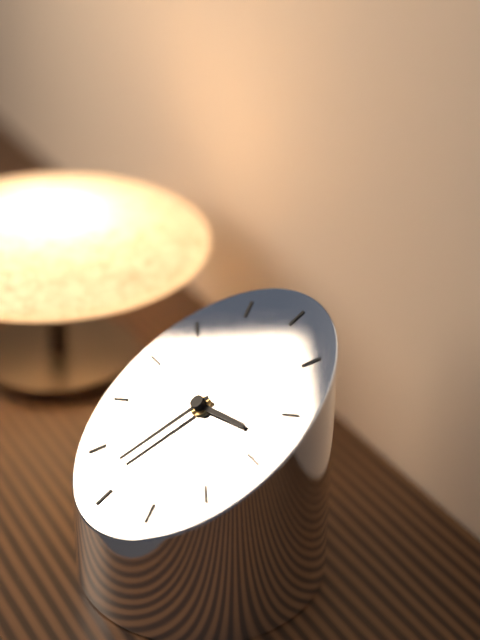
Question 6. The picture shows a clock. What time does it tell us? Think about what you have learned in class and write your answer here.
2:32
